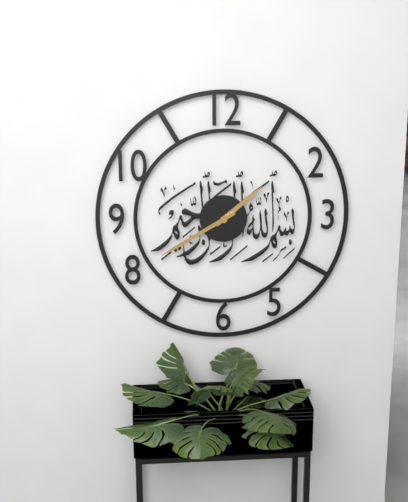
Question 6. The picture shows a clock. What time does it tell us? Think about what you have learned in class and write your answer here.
1:40
